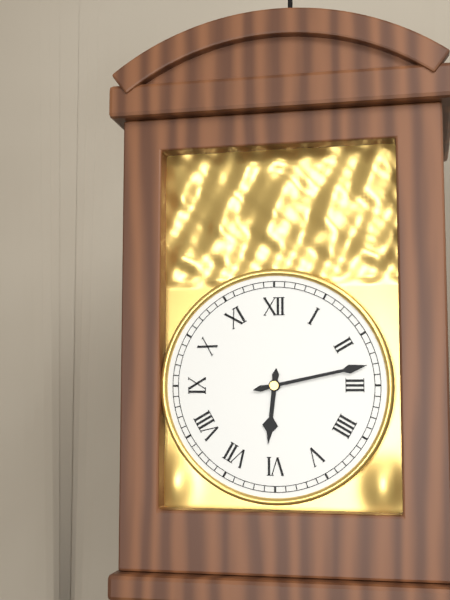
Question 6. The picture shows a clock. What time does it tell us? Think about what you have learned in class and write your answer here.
6:13
